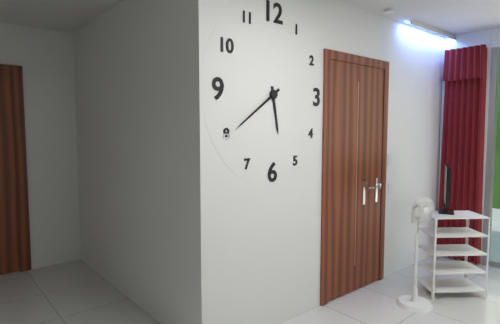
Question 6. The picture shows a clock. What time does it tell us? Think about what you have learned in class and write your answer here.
5:39
